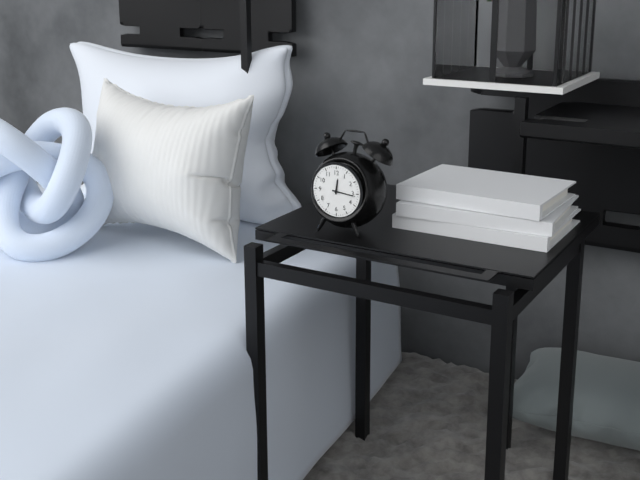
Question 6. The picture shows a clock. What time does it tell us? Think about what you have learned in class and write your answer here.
12:16
